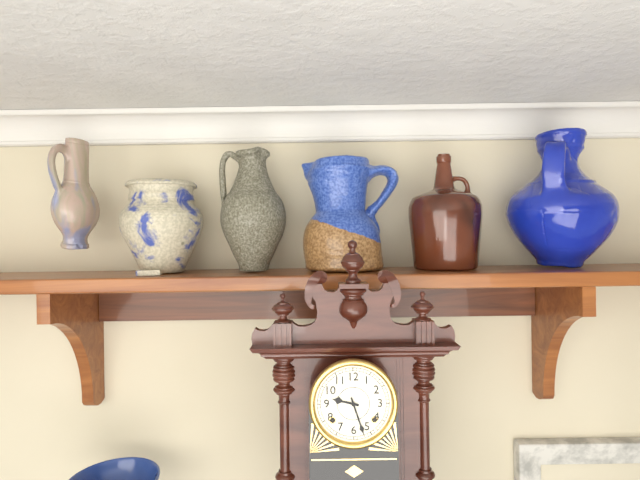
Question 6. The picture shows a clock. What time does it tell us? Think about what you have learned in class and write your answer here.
9:27
